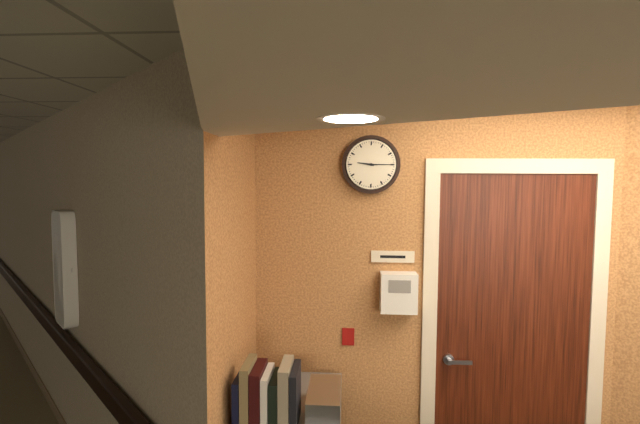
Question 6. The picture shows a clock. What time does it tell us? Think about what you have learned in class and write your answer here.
9:15
